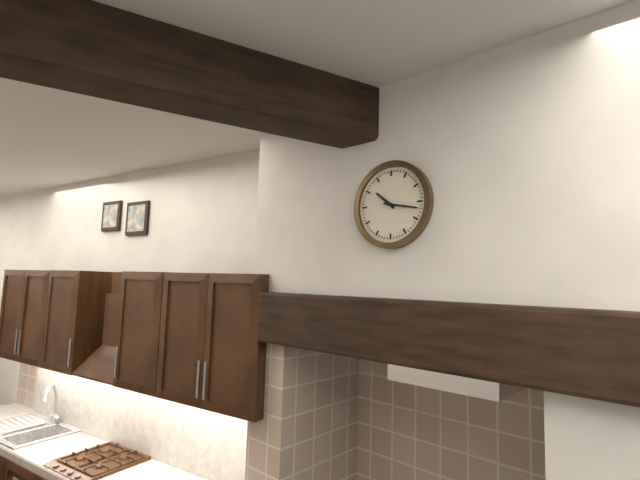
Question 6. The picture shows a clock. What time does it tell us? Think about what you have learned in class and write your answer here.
10:17
